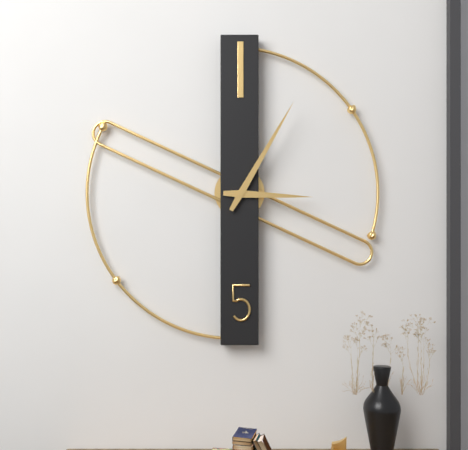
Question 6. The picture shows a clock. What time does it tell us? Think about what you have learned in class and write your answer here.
3:05
